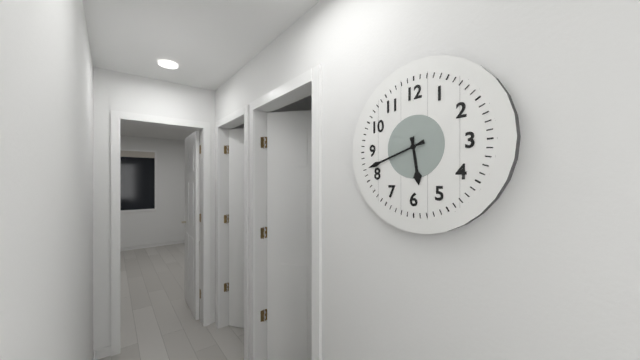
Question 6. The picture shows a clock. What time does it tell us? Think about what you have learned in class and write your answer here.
5:42
